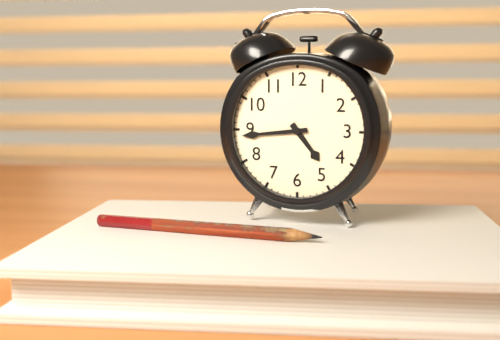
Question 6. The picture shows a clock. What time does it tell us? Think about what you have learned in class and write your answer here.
4:44
